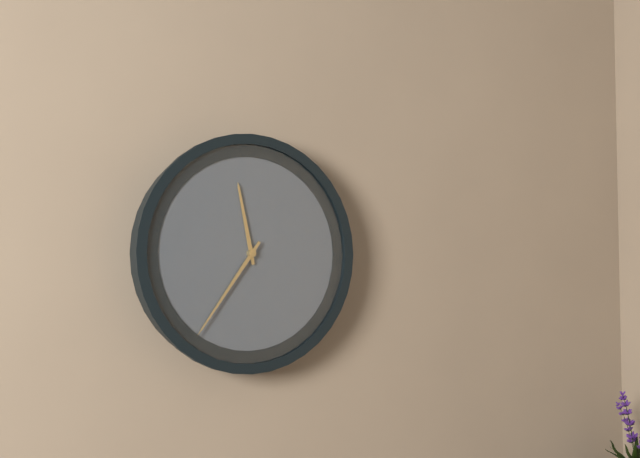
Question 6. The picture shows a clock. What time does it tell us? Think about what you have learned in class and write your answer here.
11:36
